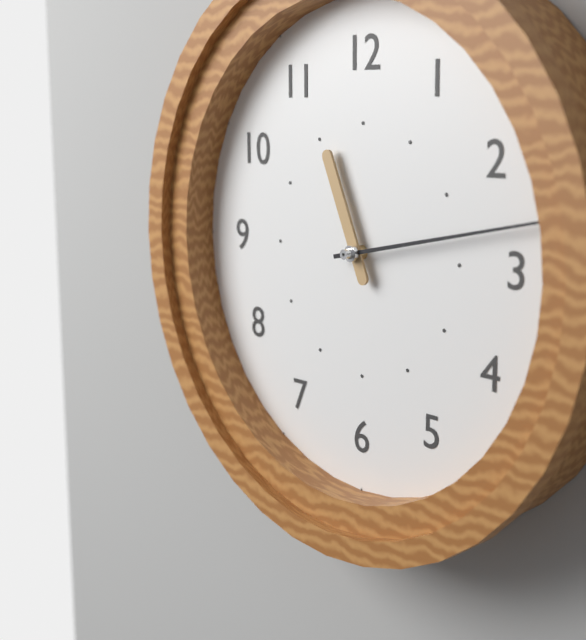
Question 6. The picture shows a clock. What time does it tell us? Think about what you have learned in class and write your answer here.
11:13
